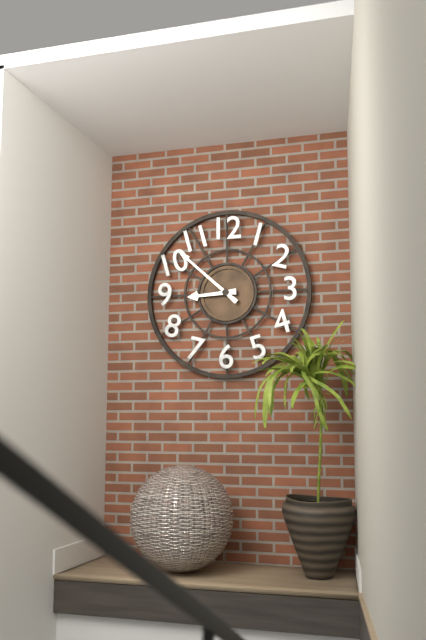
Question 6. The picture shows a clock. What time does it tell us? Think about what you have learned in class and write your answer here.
8:52
